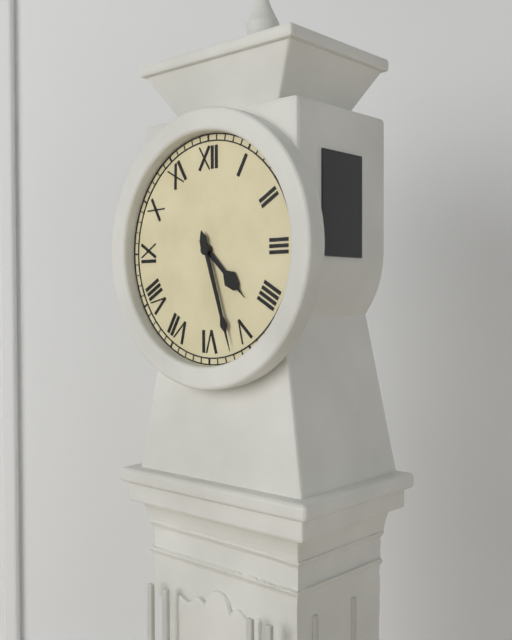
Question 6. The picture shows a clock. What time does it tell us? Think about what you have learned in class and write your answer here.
4:27
